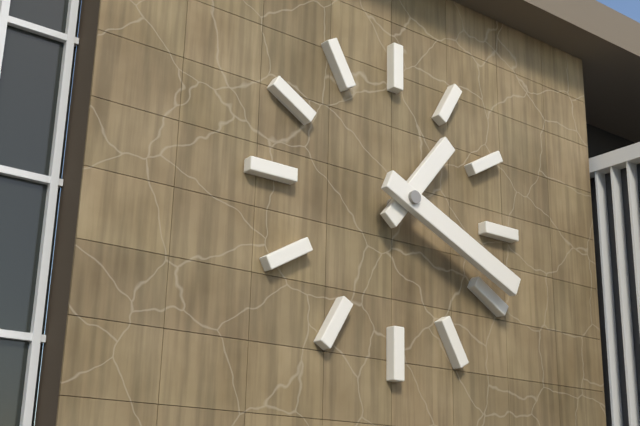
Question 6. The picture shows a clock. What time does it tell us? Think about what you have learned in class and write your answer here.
1:19
